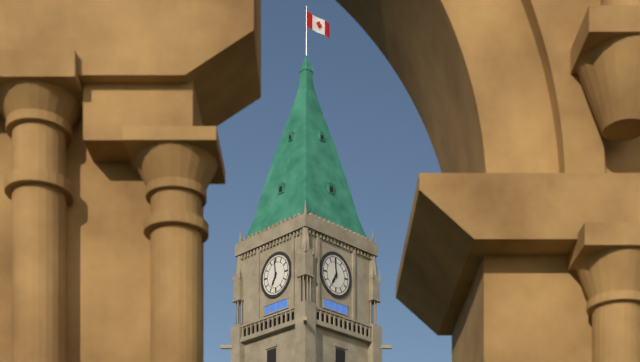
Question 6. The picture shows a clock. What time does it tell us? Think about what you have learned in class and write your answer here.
6:59
